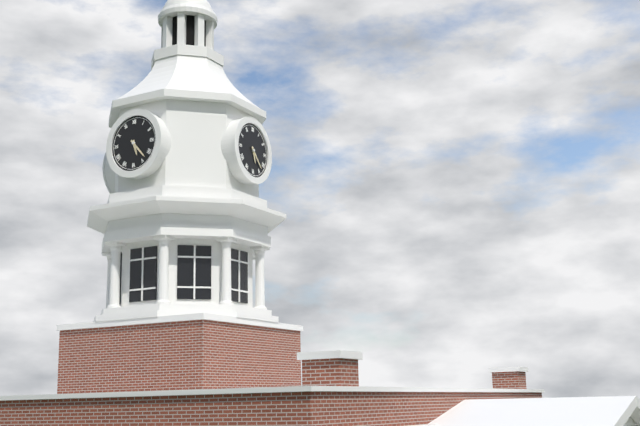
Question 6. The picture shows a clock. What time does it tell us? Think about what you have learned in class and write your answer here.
5:23
